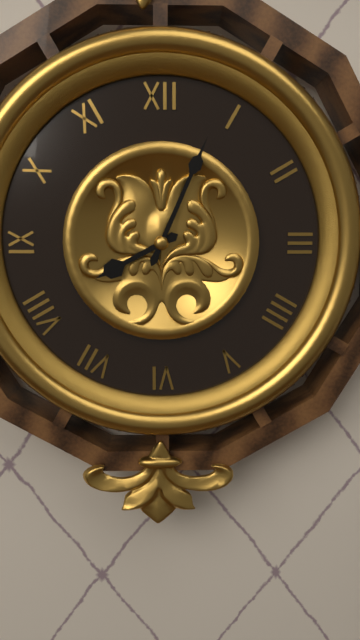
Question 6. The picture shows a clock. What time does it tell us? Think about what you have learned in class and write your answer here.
8:04
